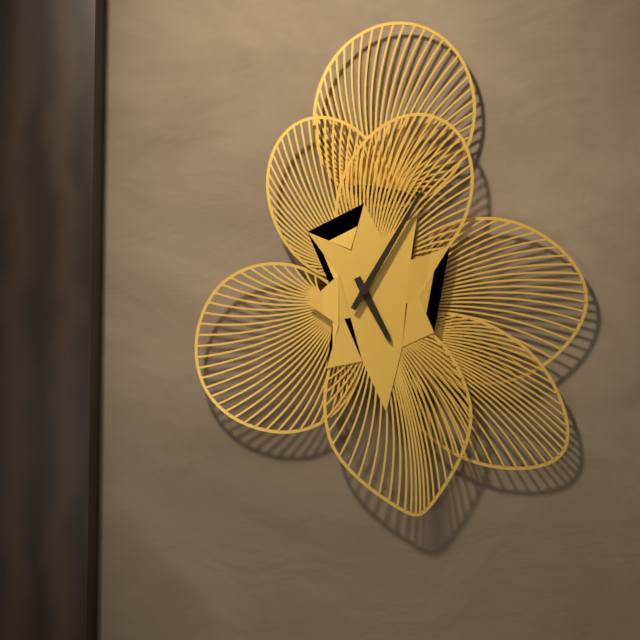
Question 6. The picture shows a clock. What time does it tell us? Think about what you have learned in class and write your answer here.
5:05
